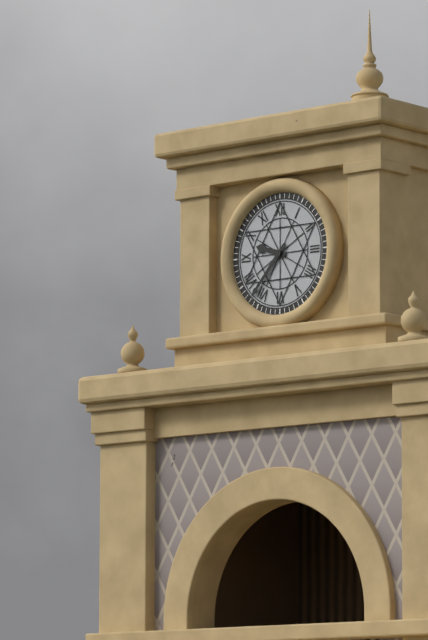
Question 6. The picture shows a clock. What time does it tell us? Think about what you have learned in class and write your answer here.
9:37
